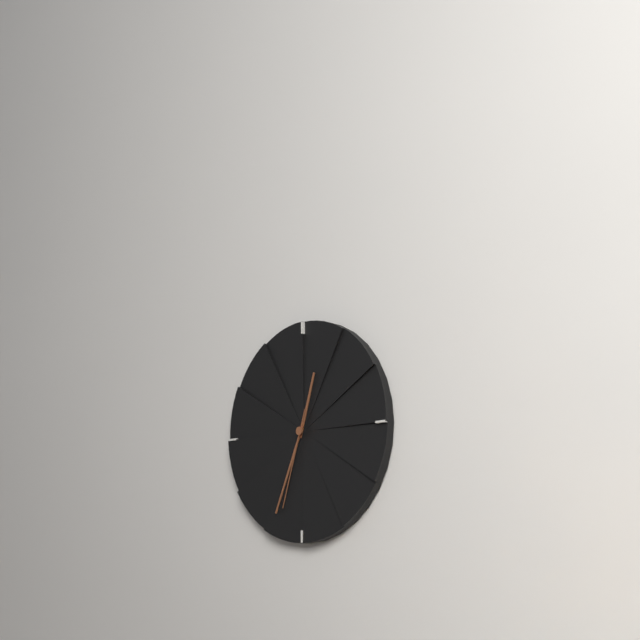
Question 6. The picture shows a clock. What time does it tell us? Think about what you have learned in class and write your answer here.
12:34:33
